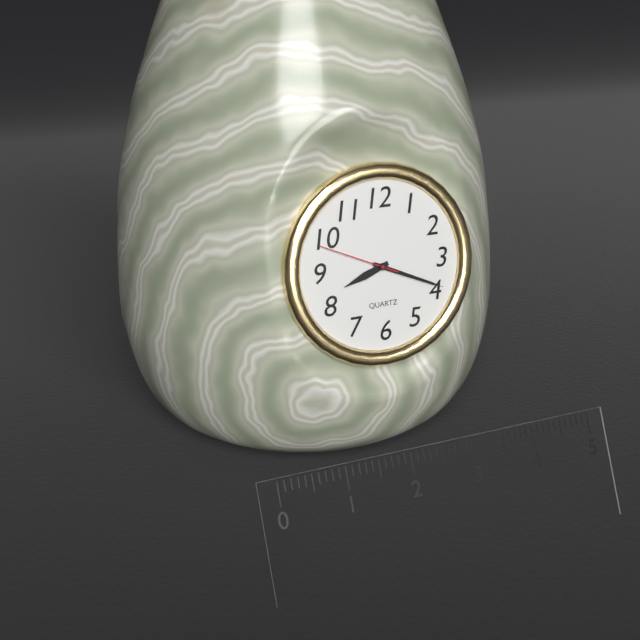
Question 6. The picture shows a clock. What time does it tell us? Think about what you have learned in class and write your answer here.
8:19:49
